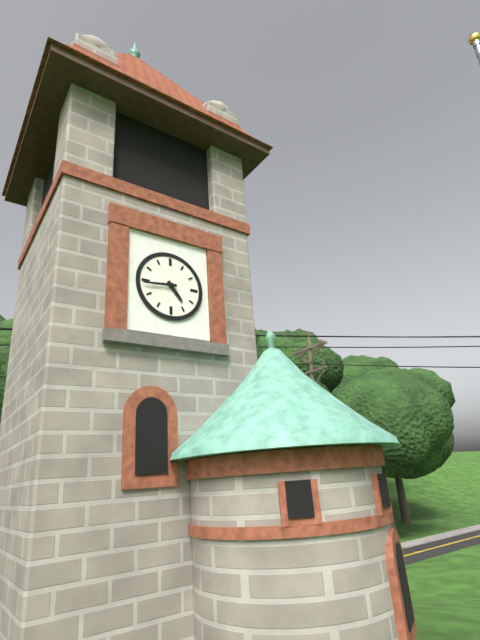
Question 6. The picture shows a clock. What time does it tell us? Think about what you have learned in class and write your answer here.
4:44
